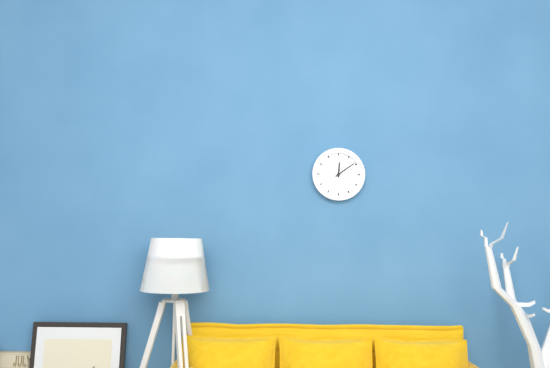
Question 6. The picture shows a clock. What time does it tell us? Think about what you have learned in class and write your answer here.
12:09
